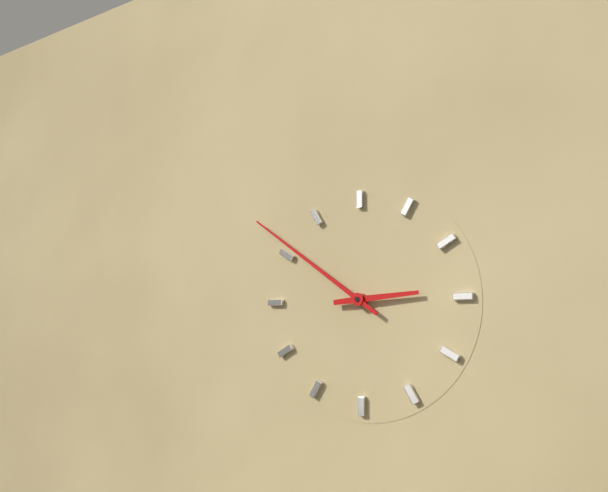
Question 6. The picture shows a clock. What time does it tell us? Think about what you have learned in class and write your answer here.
2:51
